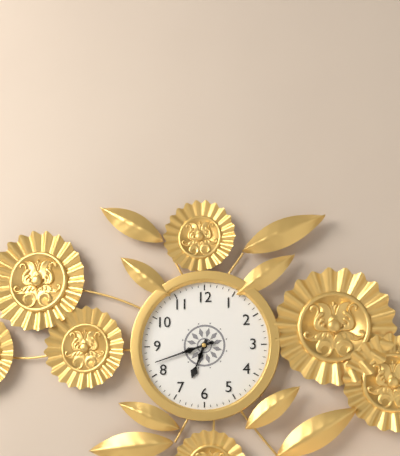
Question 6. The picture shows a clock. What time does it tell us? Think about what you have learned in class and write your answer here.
6:42
